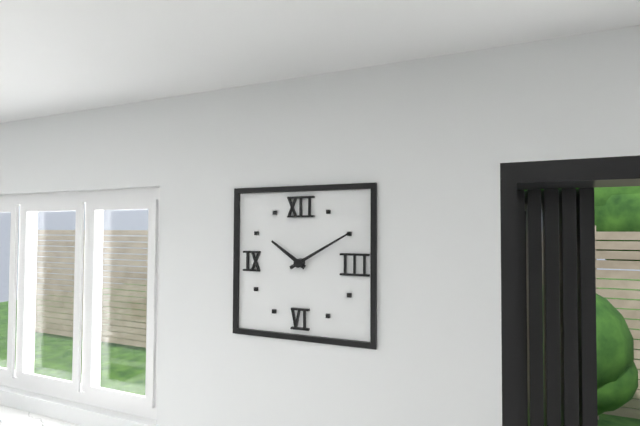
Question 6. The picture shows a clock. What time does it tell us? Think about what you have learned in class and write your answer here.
10:10
